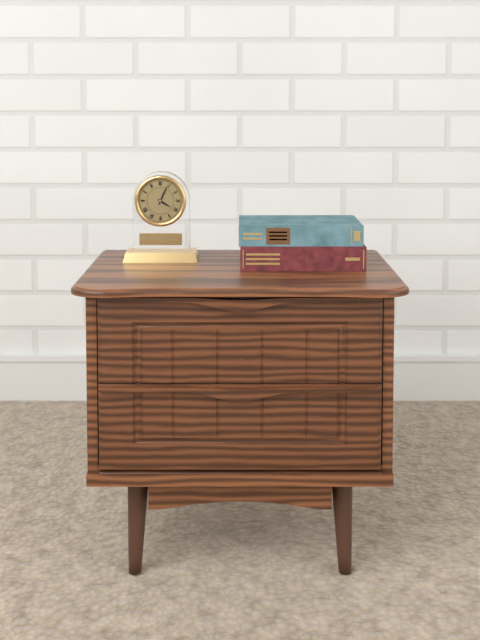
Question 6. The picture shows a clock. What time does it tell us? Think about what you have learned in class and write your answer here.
4:04
